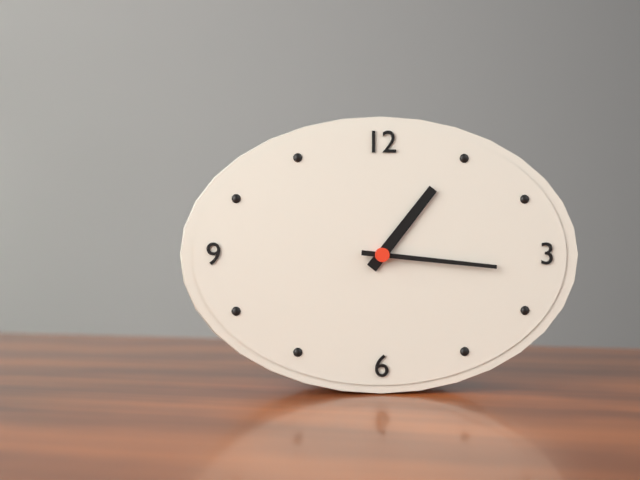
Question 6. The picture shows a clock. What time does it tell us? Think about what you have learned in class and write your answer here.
1:16
